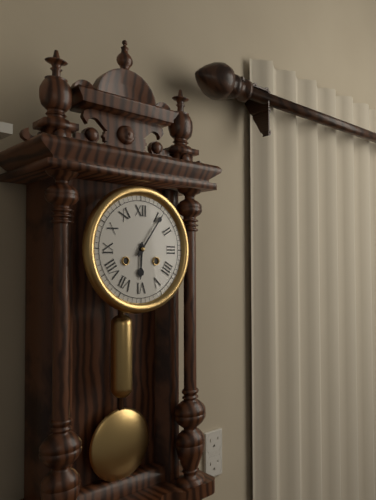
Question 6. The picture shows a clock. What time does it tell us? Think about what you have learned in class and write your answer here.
6:06
